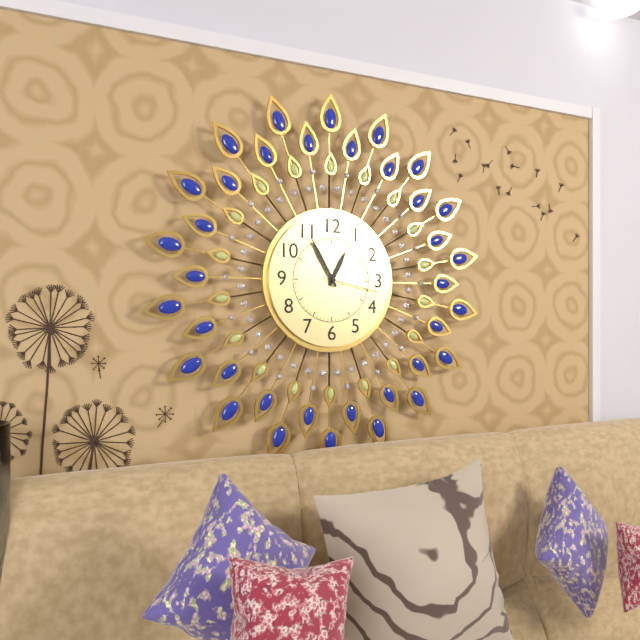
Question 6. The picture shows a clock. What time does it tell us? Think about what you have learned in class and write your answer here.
12:55:17
